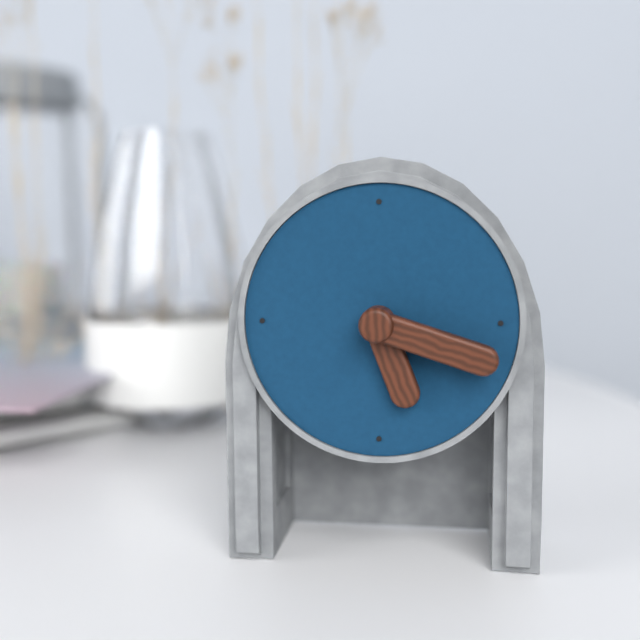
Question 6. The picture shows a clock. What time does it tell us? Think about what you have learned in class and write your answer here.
5:18
